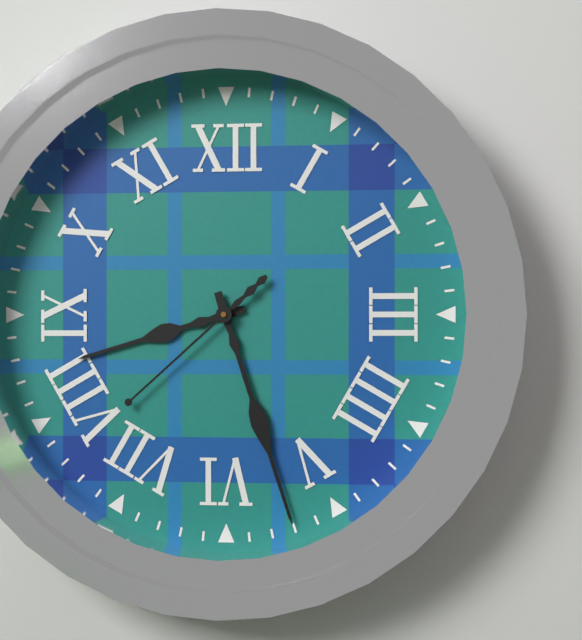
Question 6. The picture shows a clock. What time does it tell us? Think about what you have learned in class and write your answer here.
8:27:38
